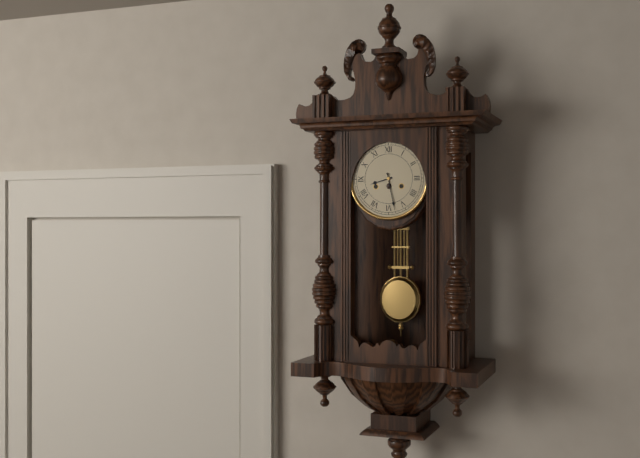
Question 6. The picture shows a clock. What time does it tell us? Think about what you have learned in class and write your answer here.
8:28
